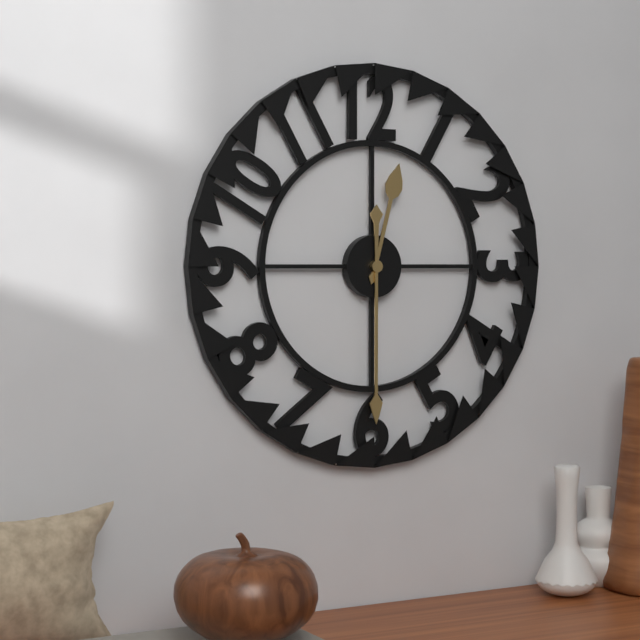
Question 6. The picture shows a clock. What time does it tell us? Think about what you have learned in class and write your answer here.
12:30
